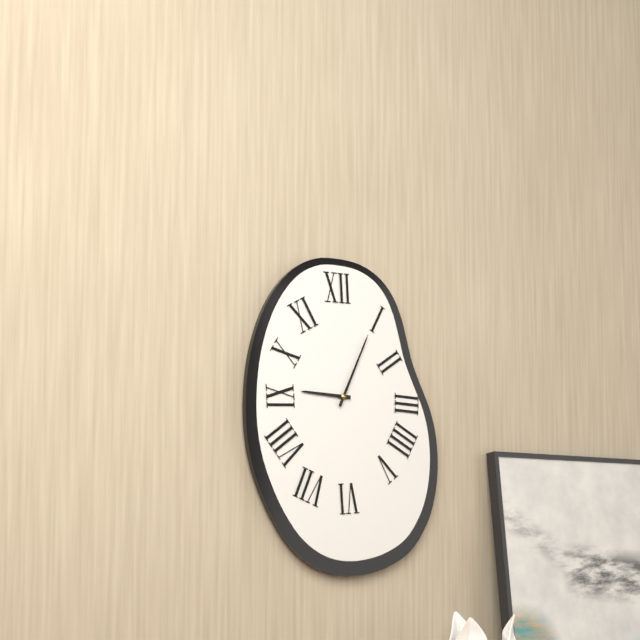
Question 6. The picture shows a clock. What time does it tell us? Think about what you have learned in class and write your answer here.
9:04
